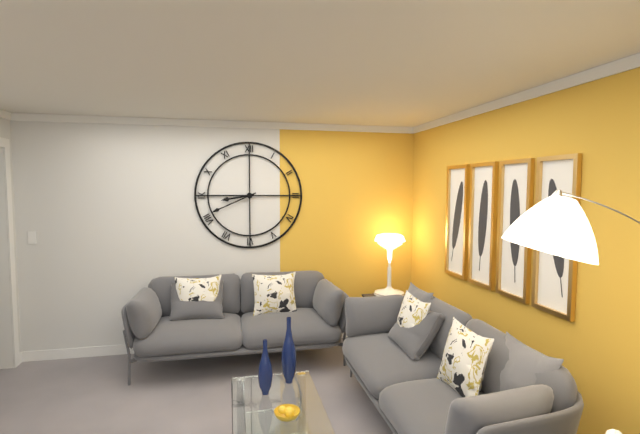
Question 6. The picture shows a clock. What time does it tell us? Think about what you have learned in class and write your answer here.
8:41
